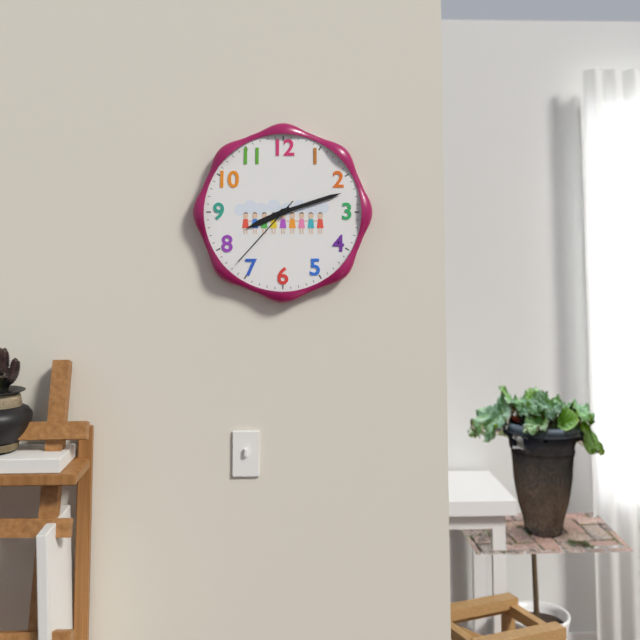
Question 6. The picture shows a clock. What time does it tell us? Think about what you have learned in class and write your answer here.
8:12:37
